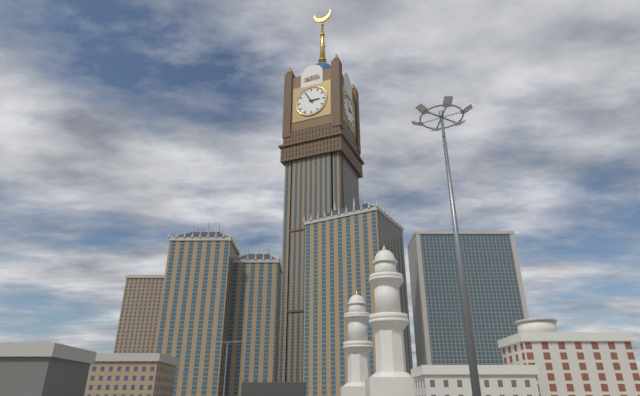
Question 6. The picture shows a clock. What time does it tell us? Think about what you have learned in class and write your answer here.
2:55
